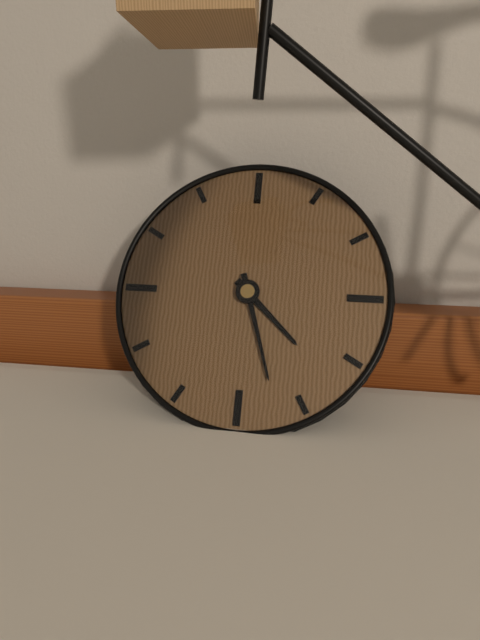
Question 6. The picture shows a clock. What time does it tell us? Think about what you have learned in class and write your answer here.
4:27
